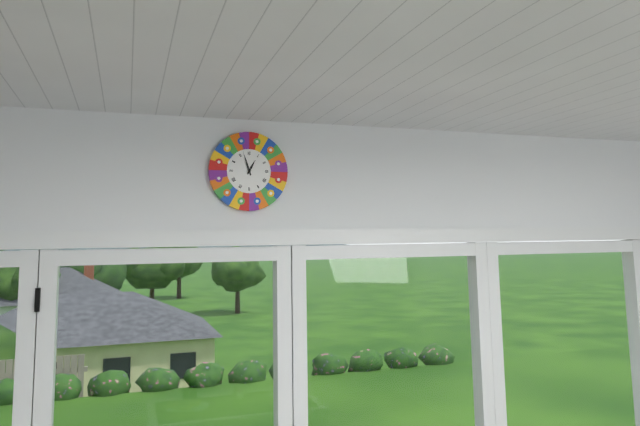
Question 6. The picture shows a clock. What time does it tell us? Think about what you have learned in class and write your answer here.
12:57
